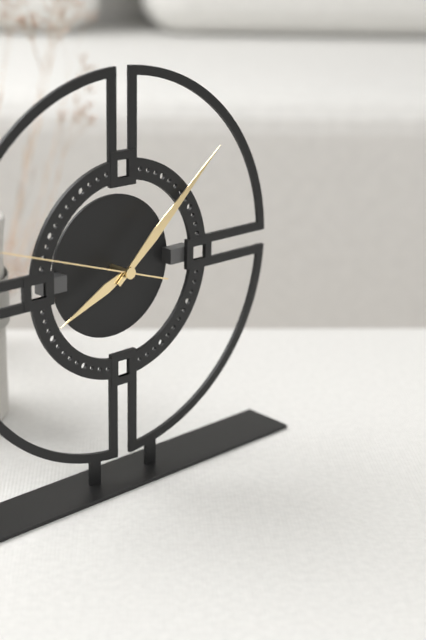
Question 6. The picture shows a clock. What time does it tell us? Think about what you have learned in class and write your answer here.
8:08
